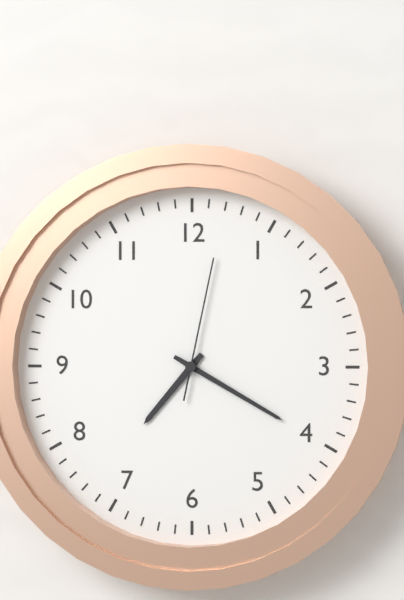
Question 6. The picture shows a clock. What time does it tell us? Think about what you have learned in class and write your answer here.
7:20:02
